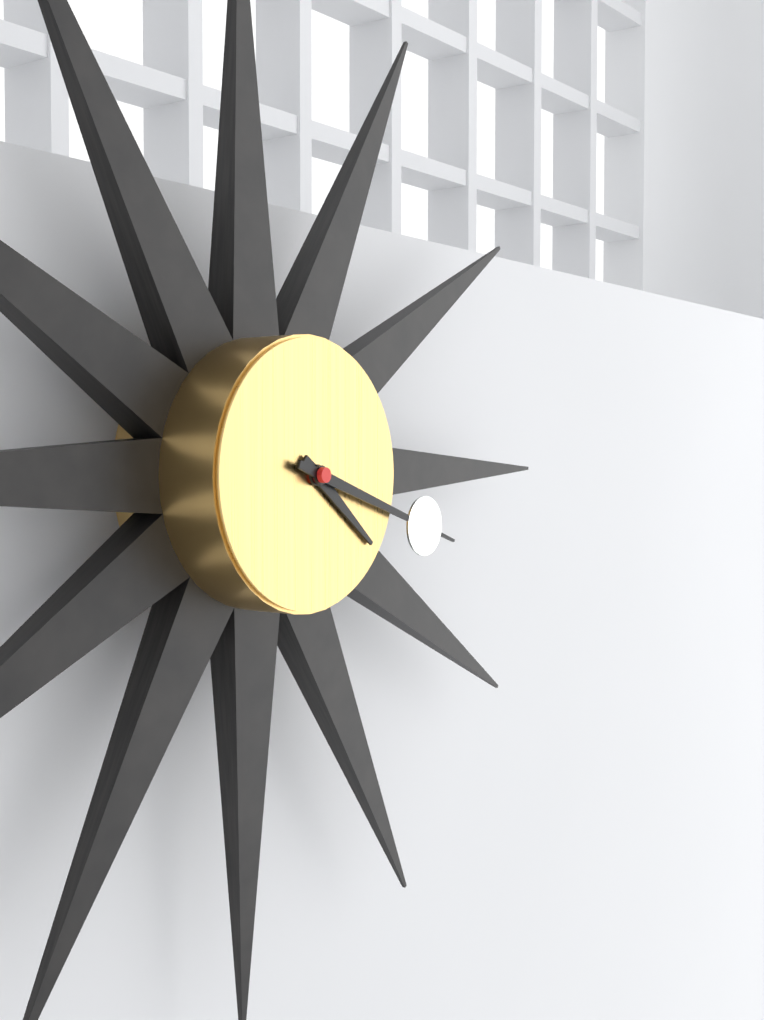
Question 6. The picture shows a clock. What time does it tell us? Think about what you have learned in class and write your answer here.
4:18
